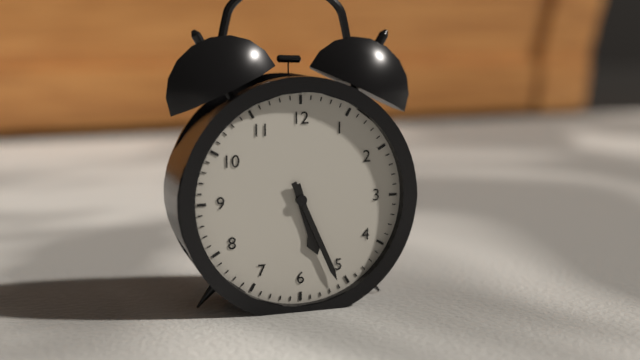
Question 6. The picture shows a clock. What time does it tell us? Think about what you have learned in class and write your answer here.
5:26
